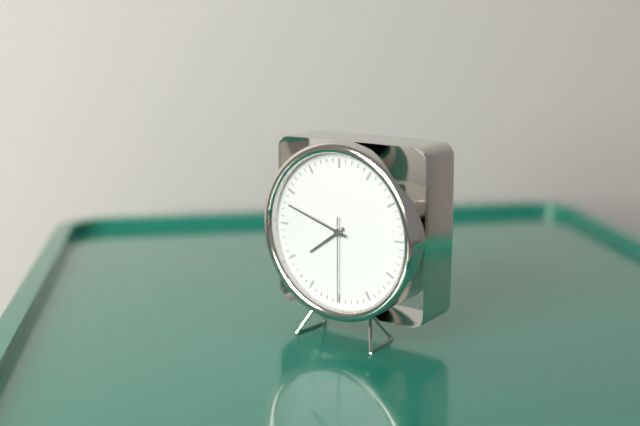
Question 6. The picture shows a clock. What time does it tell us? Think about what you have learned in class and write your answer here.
7:48:30
